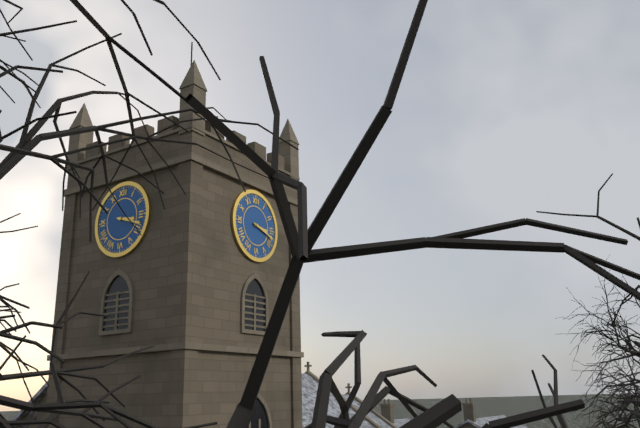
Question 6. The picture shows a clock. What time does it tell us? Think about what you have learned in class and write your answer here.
3:18
